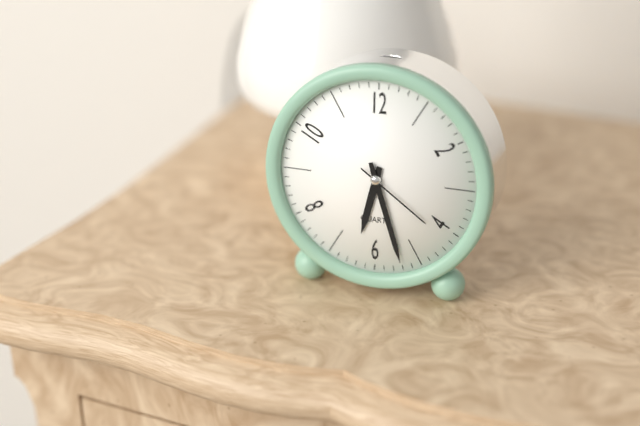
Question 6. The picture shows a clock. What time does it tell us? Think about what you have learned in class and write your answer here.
6:27:21
